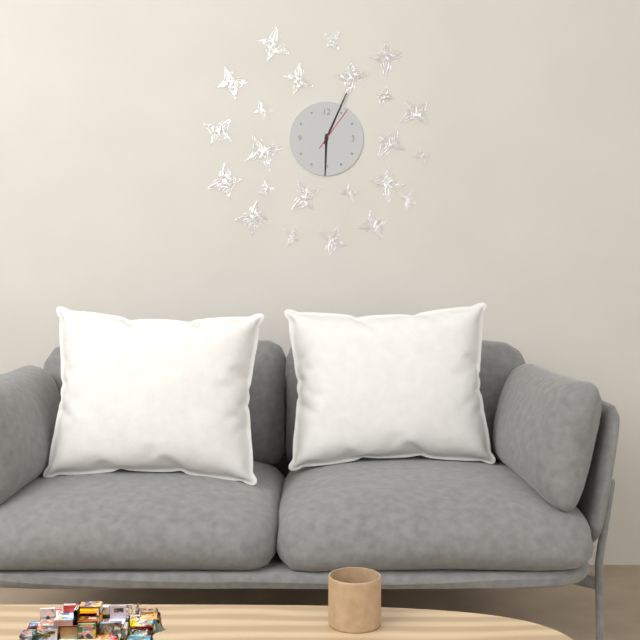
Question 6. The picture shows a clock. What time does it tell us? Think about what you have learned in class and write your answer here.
6:04
